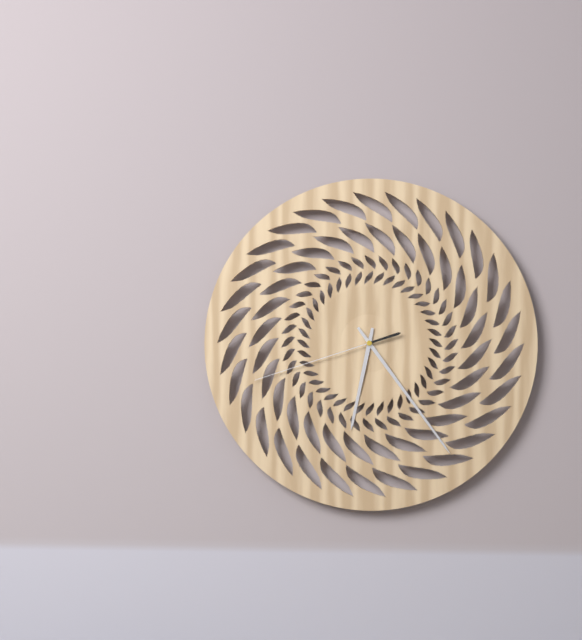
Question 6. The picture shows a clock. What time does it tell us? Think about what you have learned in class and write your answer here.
6:24:42
